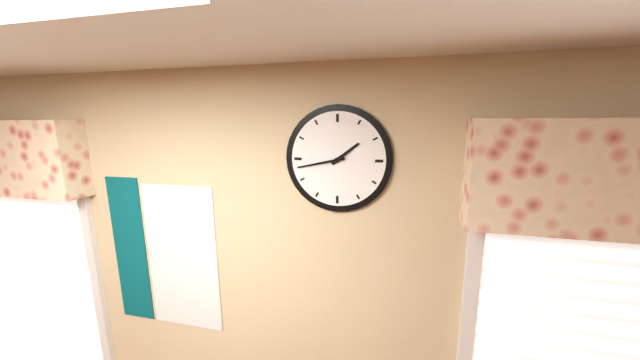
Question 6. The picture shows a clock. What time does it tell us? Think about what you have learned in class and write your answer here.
1:43
